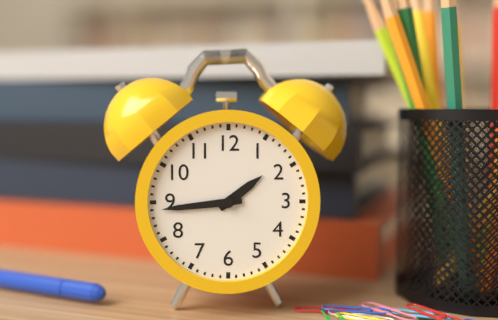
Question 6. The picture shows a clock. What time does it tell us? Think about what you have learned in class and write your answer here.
1:44
